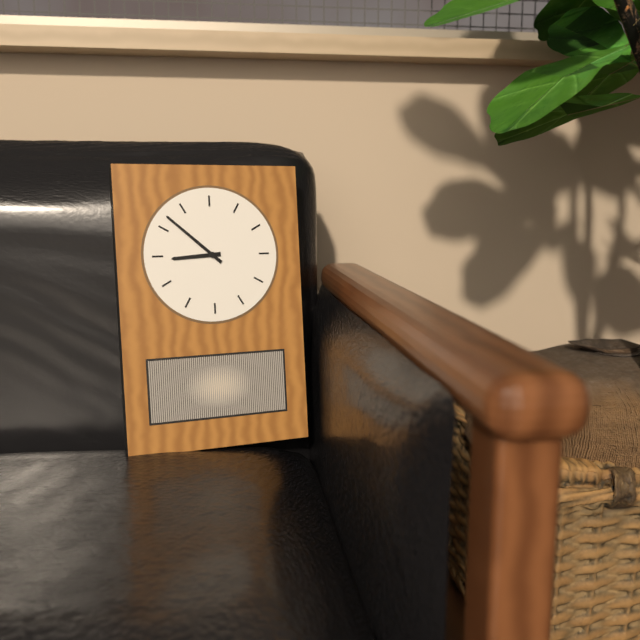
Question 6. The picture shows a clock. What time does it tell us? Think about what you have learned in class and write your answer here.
8:52
